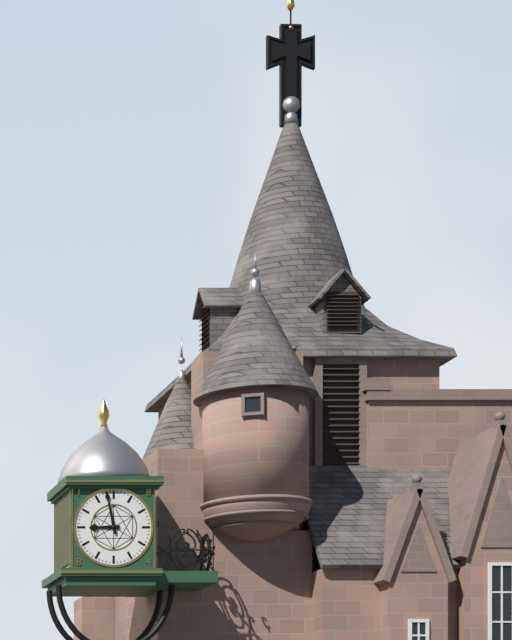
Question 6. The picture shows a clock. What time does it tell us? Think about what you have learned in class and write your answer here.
8:58
